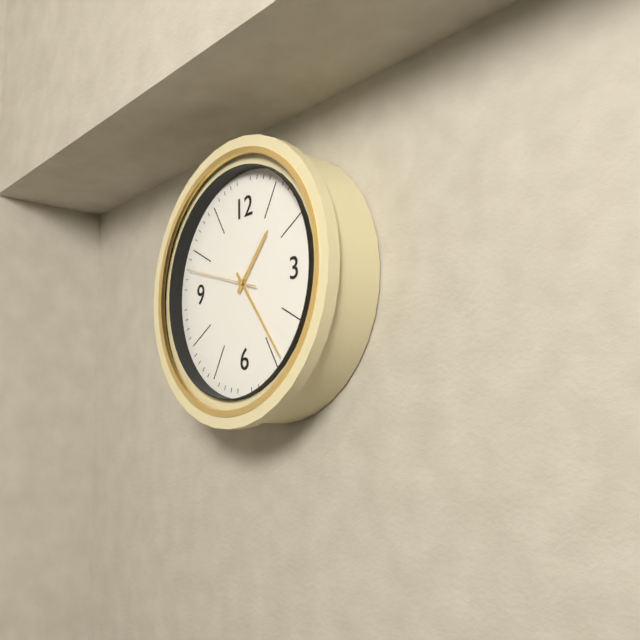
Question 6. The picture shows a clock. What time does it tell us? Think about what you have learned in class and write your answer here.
1:24:48
